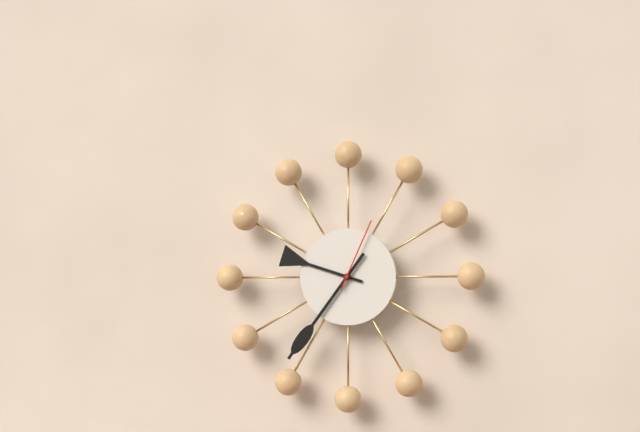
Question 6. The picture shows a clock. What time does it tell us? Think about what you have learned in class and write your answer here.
9:36:04
